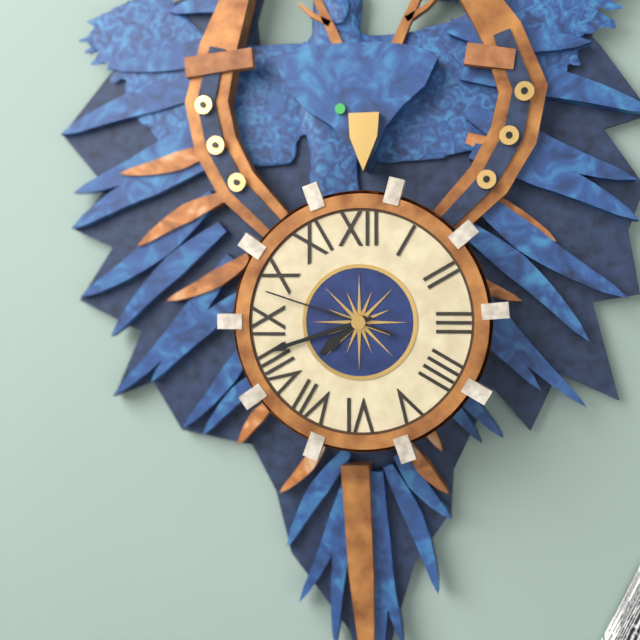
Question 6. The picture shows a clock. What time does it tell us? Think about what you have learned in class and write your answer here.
7:42:48
